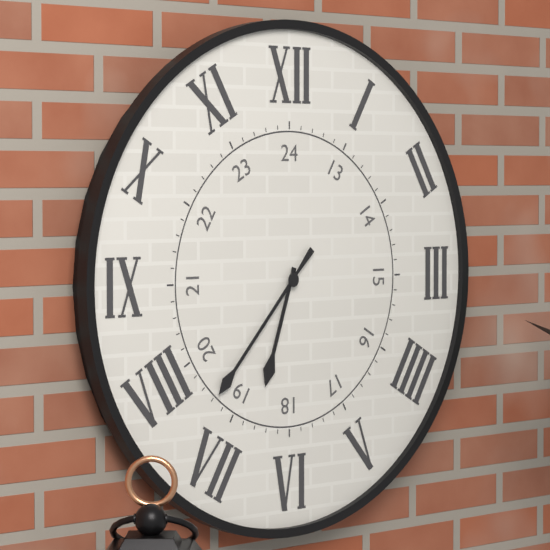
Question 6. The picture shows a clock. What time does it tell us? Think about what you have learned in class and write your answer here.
6:37
